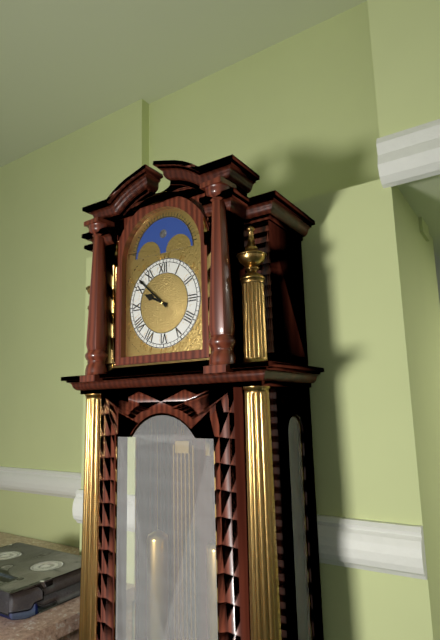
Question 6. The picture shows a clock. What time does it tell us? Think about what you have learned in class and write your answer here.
9:52
